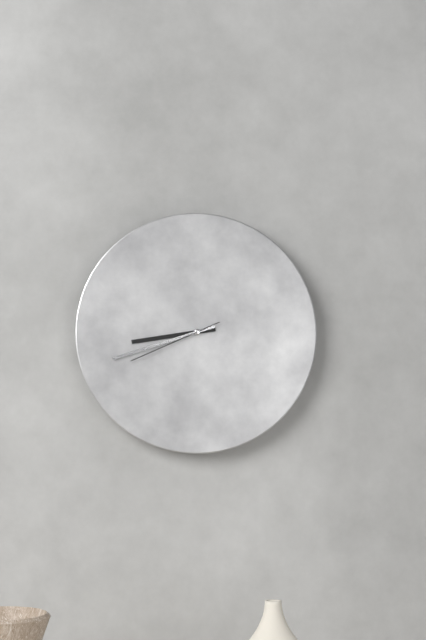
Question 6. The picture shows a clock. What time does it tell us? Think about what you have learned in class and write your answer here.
8:42:41
